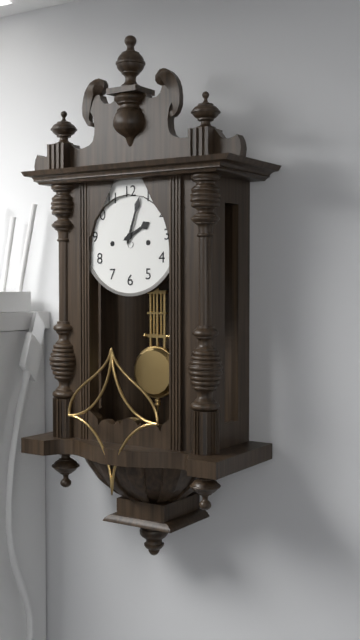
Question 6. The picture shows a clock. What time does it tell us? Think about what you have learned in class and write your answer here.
2:03
